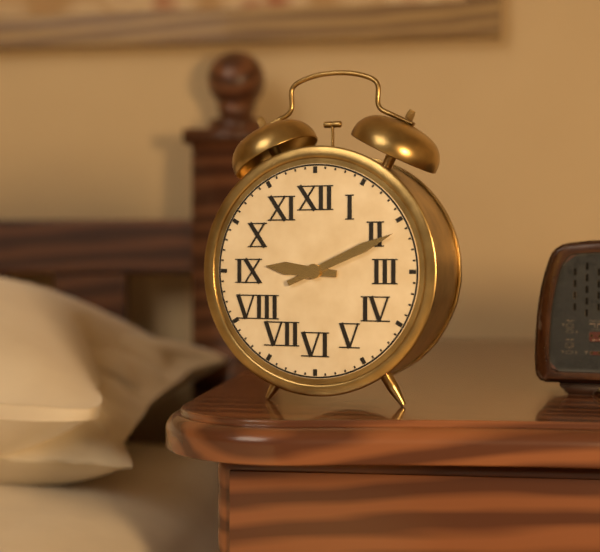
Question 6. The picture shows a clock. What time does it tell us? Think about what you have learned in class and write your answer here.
9:11
